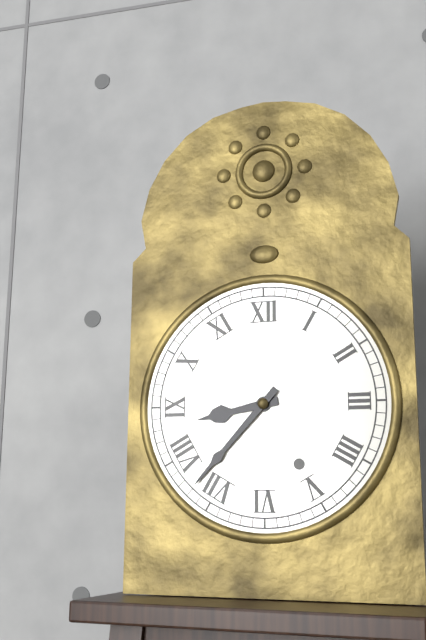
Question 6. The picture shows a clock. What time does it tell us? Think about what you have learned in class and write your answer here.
8:37
